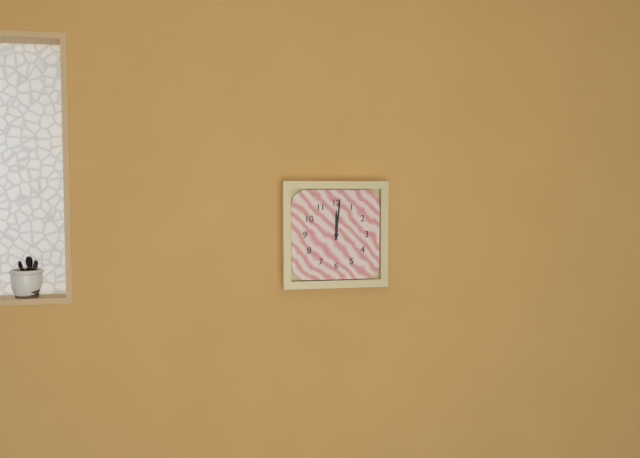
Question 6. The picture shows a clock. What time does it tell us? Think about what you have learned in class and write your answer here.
12:01
